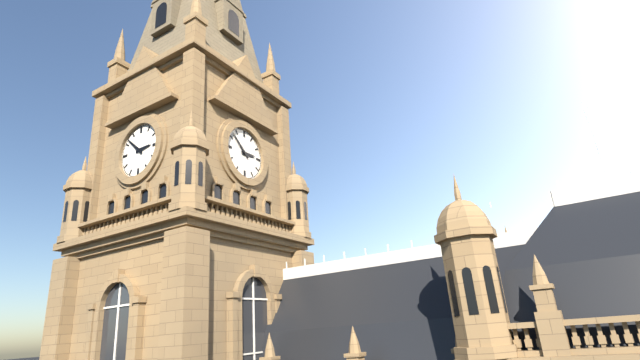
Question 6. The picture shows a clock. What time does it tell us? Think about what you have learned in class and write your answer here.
2:52
